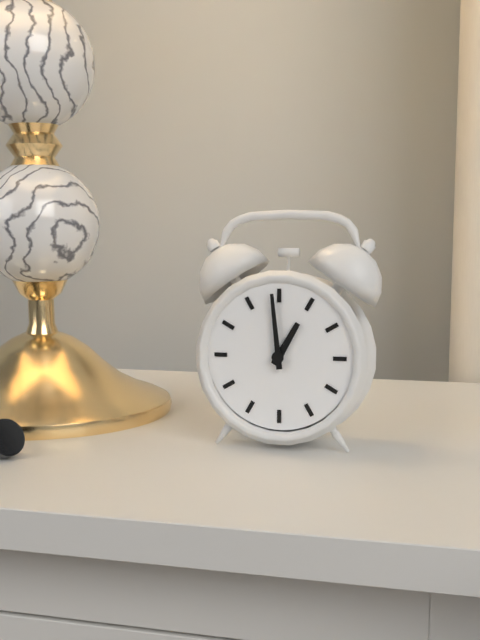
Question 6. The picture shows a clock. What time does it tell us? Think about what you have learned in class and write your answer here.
12:59
